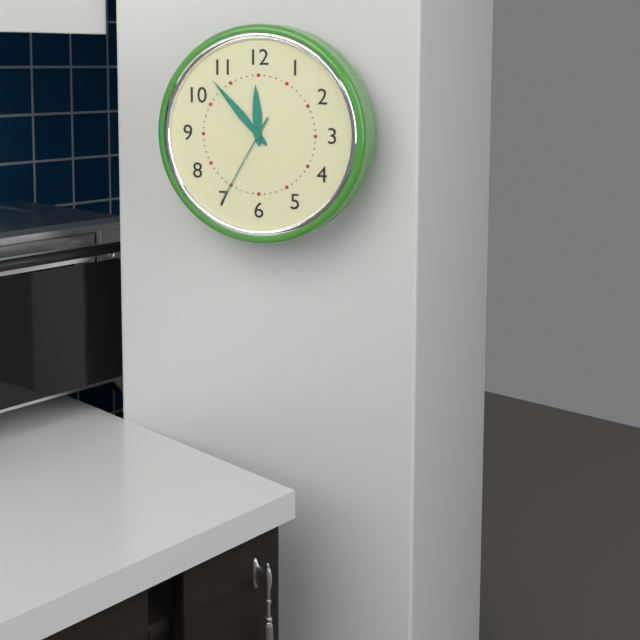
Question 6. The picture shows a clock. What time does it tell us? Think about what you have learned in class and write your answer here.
11:53:35
